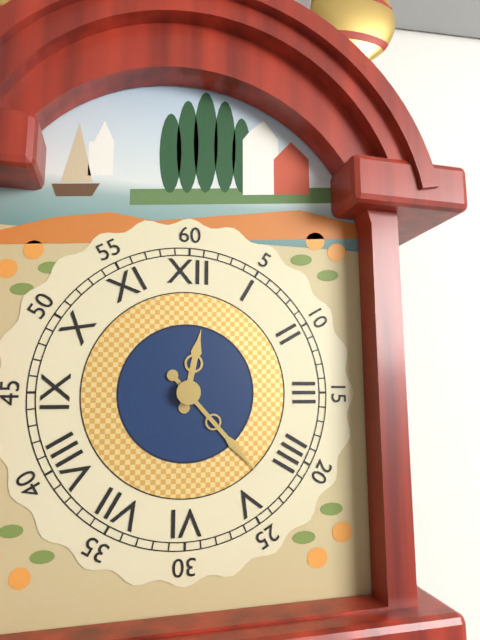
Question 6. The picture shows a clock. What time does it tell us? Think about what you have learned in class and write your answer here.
12:23
